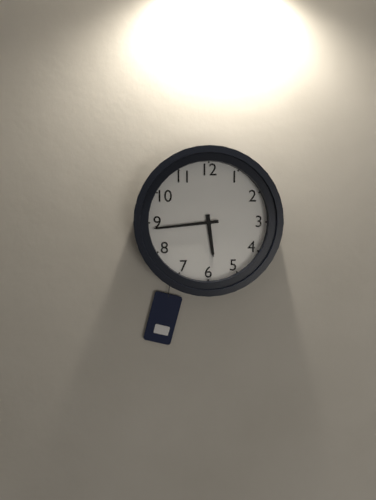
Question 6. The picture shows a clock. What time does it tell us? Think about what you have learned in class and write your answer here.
5:44
